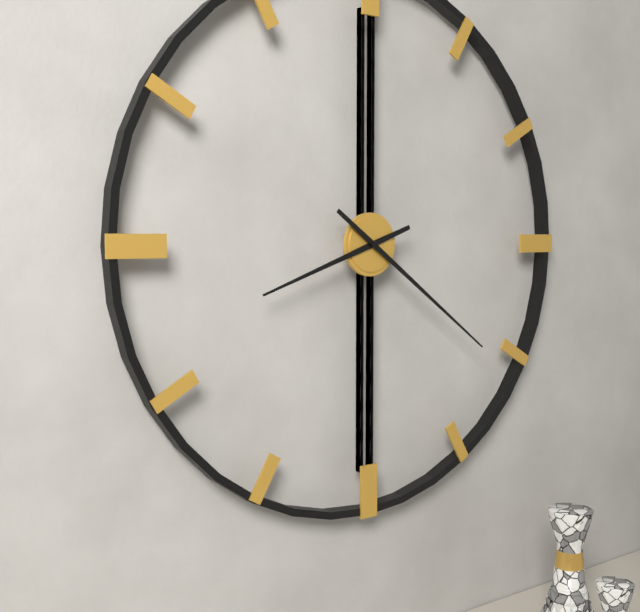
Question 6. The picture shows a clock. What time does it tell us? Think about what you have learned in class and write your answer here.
8:21
